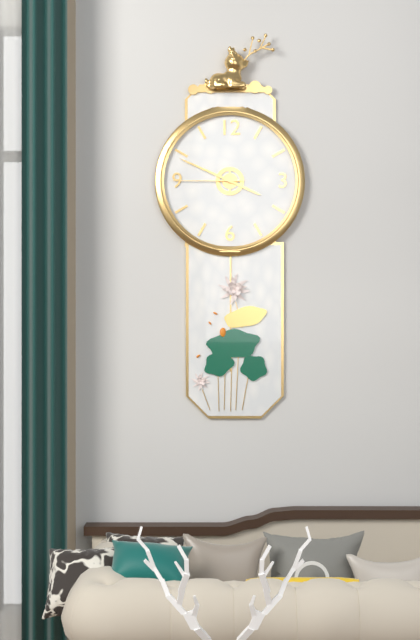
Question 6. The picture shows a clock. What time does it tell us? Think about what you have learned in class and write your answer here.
3:49:45
